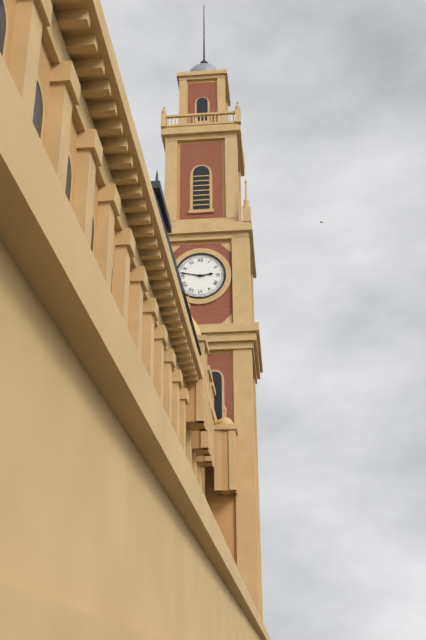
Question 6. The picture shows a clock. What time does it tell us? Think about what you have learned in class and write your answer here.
2:47
